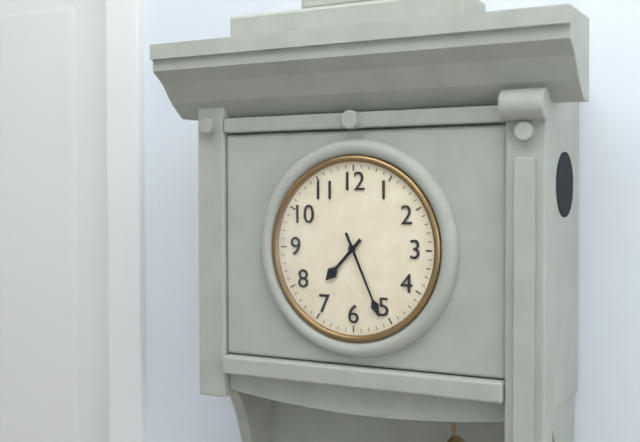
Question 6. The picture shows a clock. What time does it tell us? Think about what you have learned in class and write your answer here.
7:26
